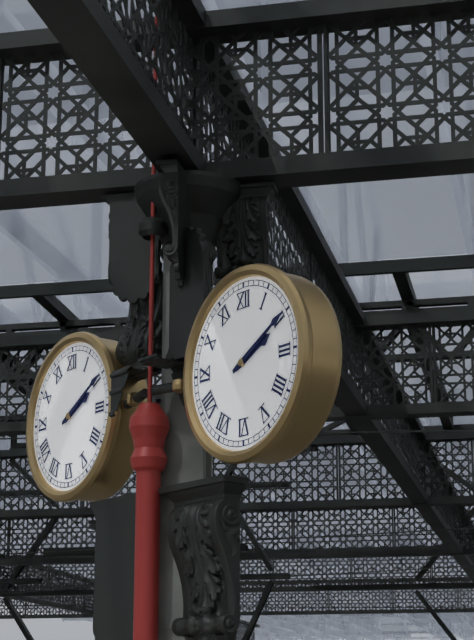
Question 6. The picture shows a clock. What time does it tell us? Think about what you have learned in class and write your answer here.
2:10
